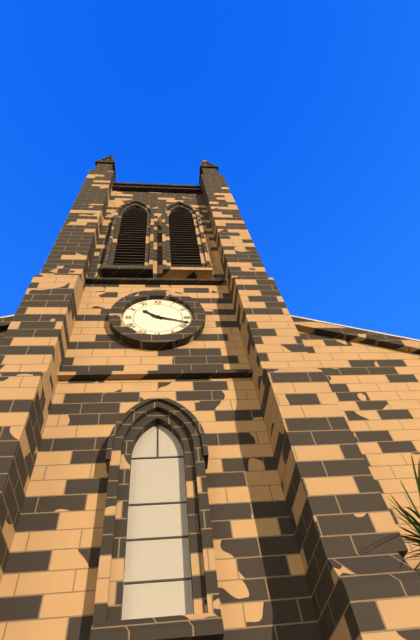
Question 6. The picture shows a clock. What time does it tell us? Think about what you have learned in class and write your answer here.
10:18
